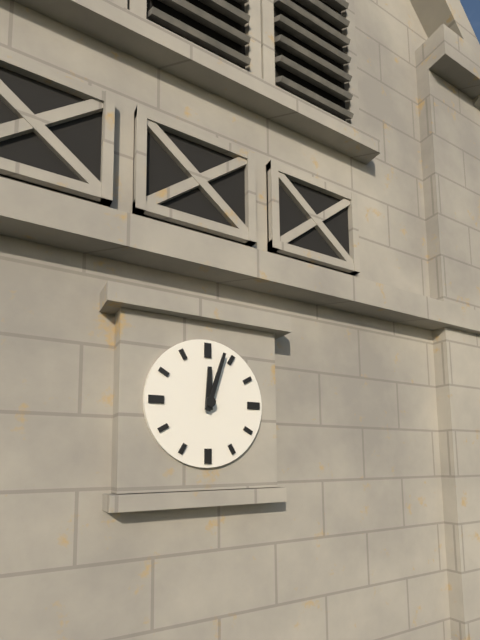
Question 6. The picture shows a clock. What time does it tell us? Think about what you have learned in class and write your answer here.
12:03
